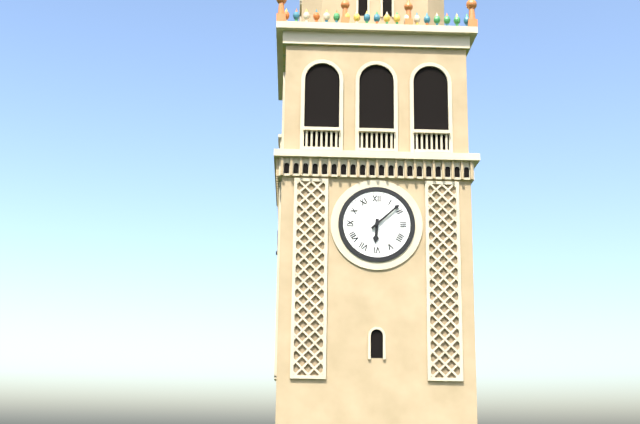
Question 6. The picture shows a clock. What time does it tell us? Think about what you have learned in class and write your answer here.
6:08
